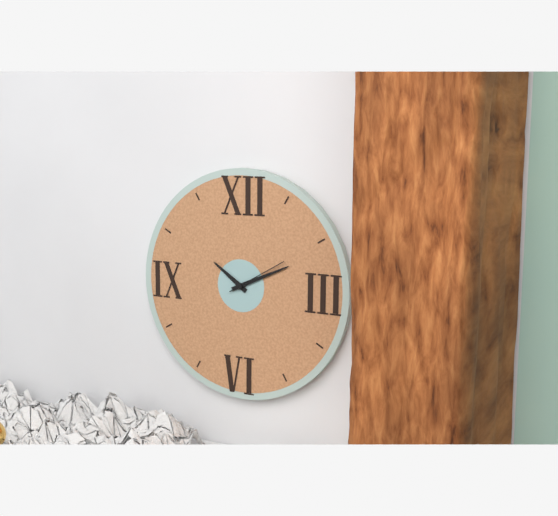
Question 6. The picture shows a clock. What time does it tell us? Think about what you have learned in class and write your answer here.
10:11:10
